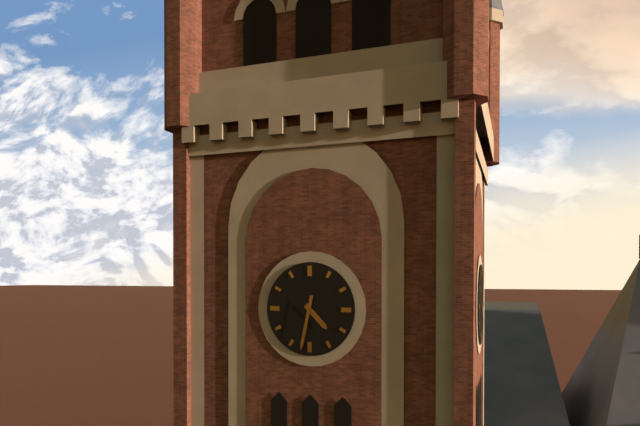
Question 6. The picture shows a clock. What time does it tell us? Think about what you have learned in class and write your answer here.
4:32
